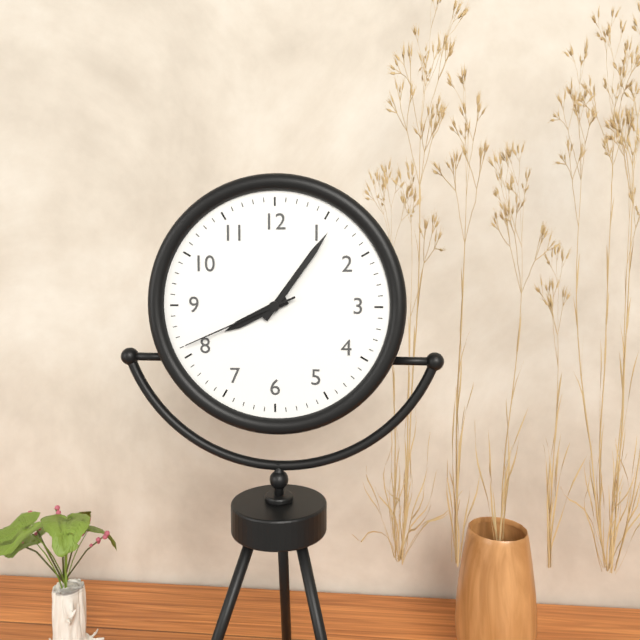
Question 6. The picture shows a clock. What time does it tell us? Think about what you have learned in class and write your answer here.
8:06:41
